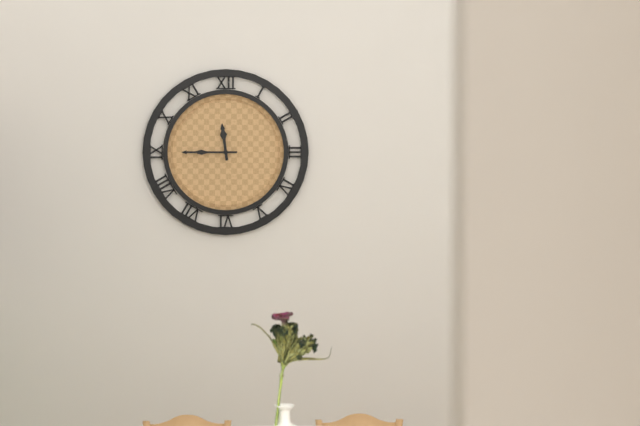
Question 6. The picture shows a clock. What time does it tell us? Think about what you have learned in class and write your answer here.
11:45
